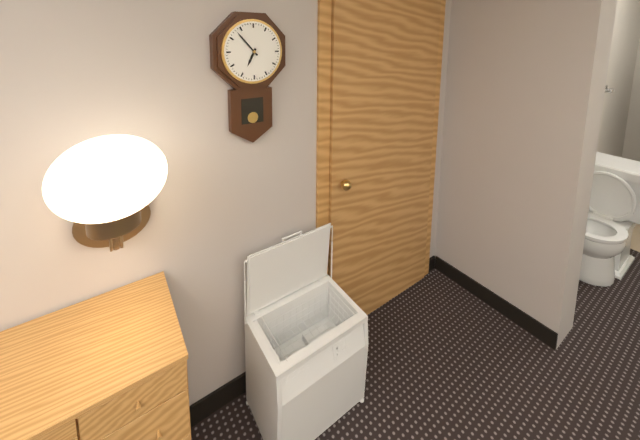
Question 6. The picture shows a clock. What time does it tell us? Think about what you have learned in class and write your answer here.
6:53
